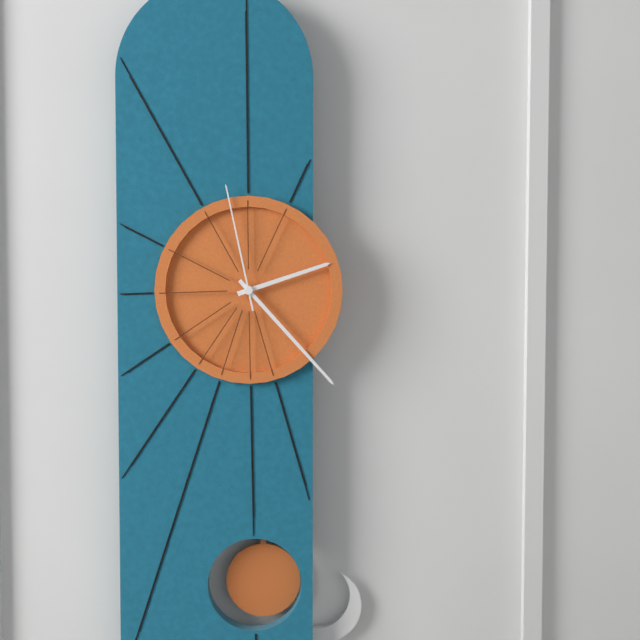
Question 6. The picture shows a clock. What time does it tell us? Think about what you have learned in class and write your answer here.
2:23:58
